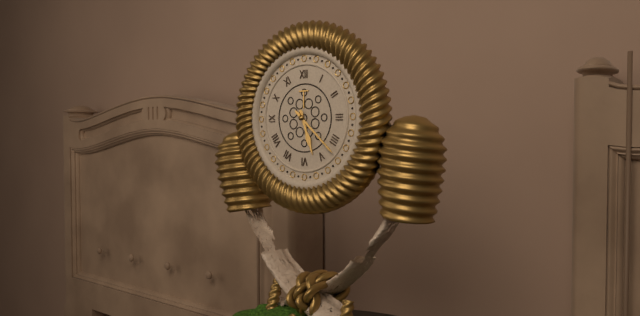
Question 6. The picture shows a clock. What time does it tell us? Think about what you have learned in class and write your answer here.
5:22
